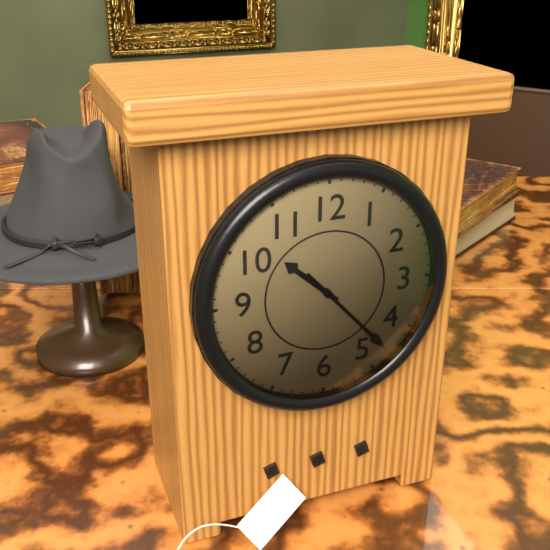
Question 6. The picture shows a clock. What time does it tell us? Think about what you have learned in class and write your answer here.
10:23
